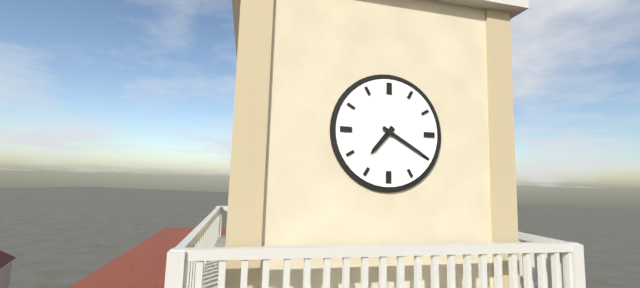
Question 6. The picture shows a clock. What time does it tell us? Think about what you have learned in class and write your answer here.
7:20
